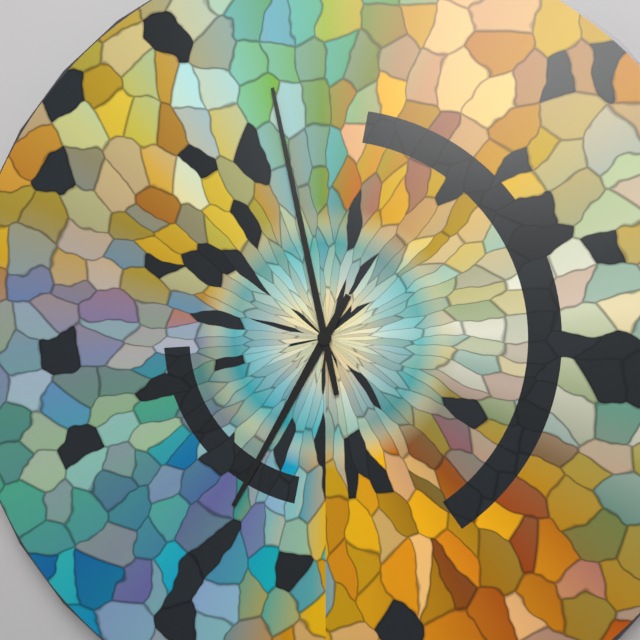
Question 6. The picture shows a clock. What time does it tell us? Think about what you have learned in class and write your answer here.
6:58
